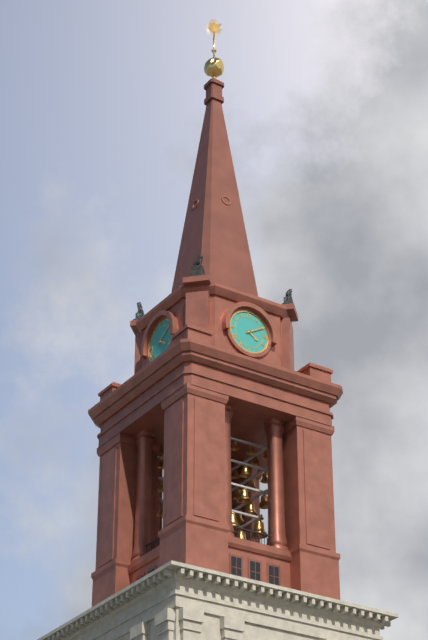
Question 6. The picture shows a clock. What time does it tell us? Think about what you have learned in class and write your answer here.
4:10
